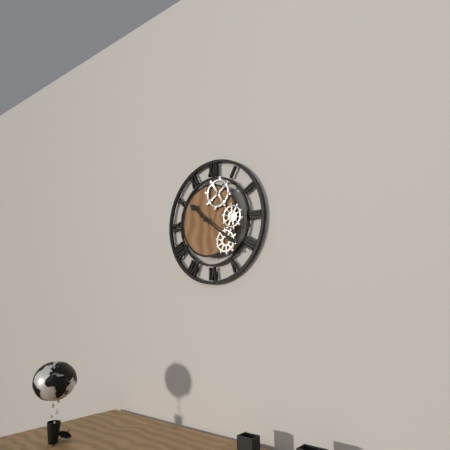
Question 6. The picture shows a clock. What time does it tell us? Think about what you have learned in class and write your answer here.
10:21
